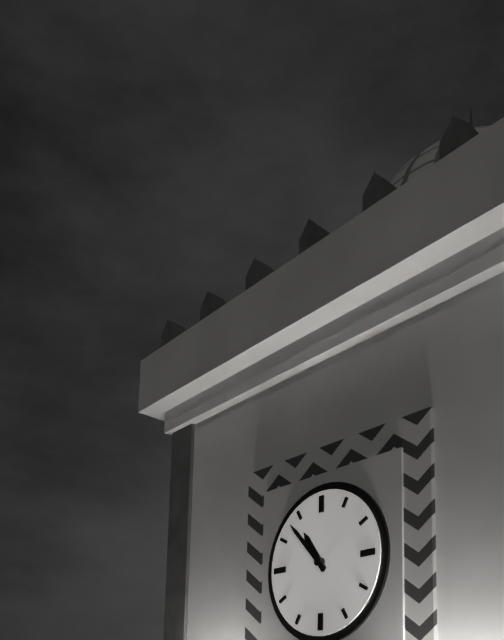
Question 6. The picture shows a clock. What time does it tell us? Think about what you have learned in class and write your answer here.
10:53
